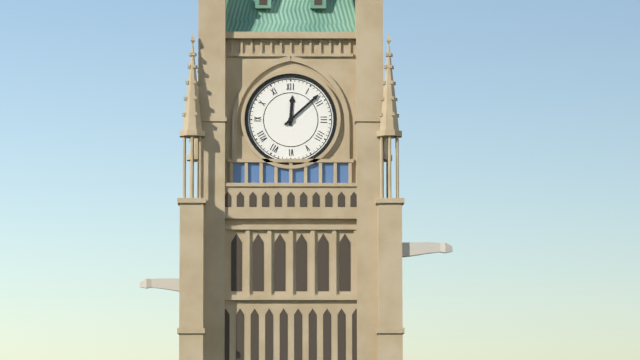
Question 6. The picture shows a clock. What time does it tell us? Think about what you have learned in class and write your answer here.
12:08
